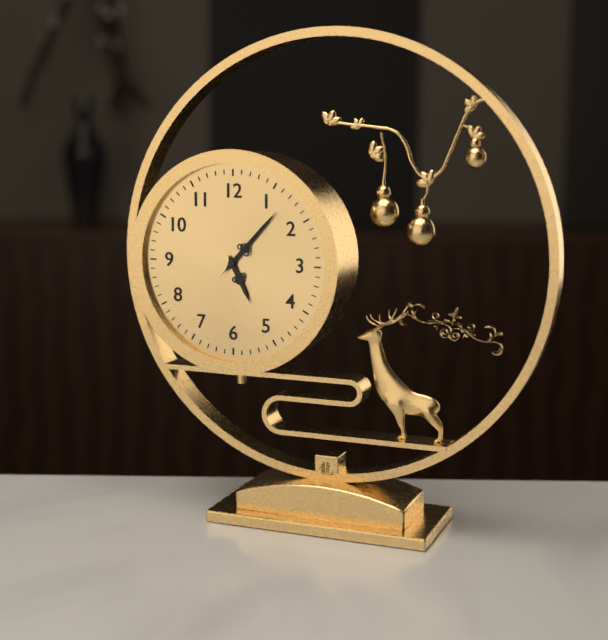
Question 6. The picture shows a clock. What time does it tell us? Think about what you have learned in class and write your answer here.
5:07:07
